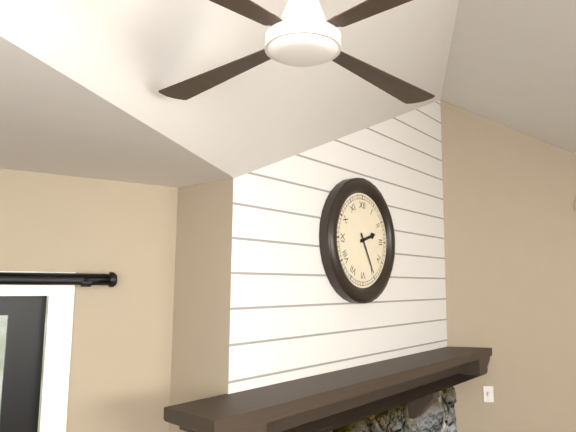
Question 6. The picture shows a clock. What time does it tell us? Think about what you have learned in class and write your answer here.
2:25
